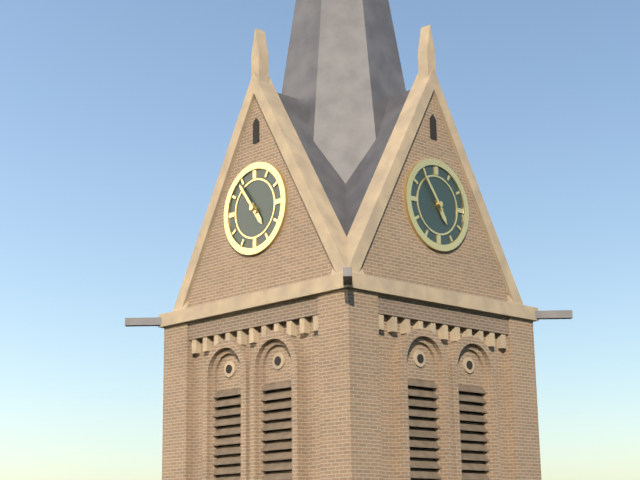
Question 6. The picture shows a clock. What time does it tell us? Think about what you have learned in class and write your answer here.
4:54
